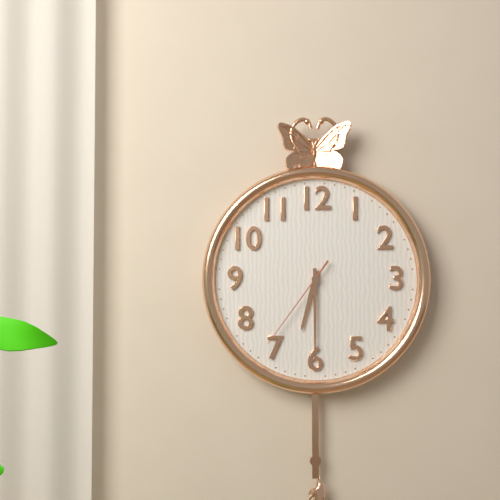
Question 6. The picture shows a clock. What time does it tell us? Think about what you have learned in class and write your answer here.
6:30:36
